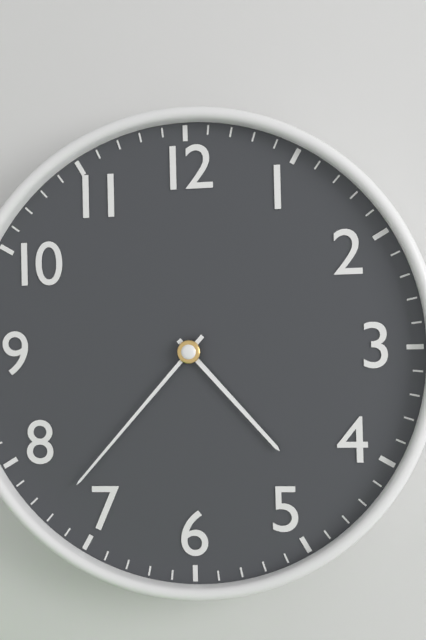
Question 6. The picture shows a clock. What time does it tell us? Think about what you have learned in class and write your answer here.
4:37
